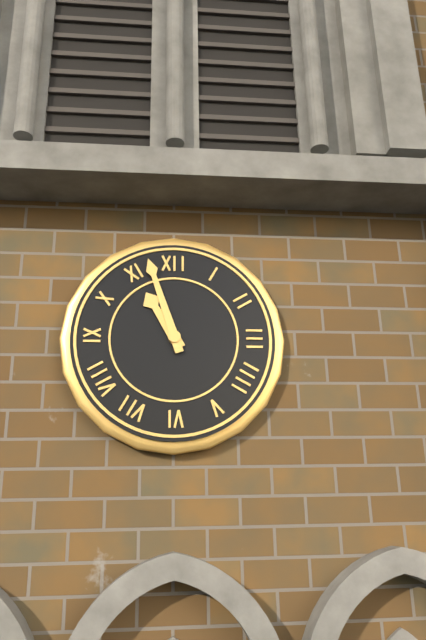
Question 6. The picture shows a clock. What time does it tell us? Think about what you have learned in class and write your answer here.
10:57
